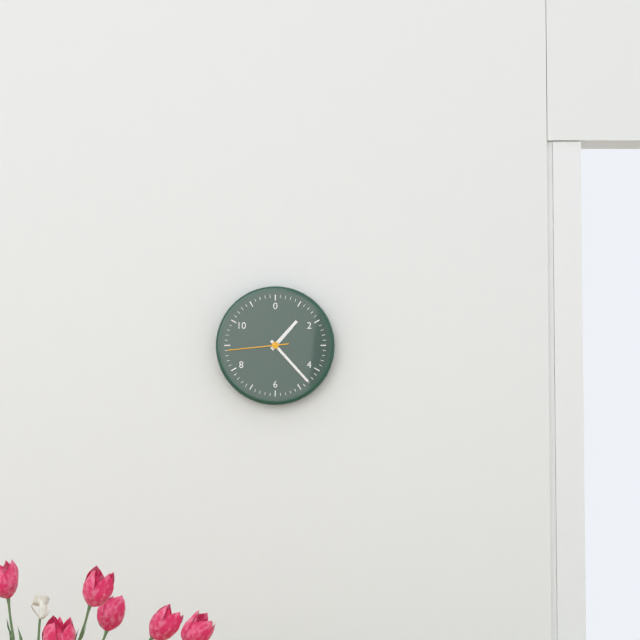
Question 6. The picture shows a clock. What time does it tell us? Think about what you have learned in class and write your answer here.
1:23:44
